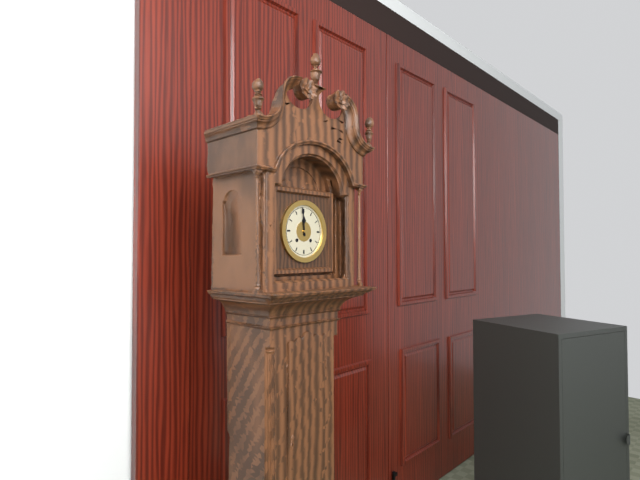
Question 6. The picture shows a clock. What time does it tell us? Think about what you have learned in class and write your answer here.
11:59
